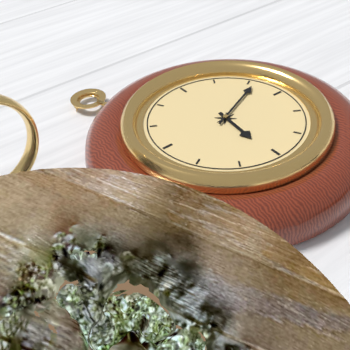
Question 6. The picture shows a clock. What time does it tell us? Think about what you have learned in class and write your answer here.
6:11
